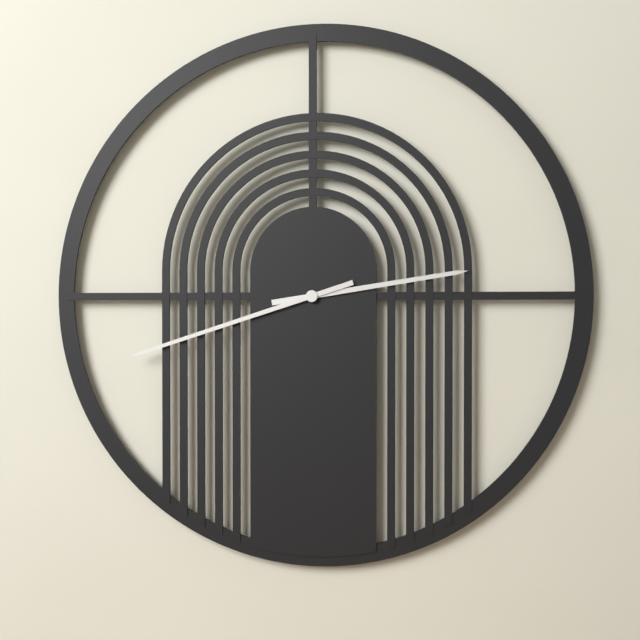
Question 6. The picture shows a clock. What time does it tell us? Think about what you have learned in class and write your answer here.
2:42
